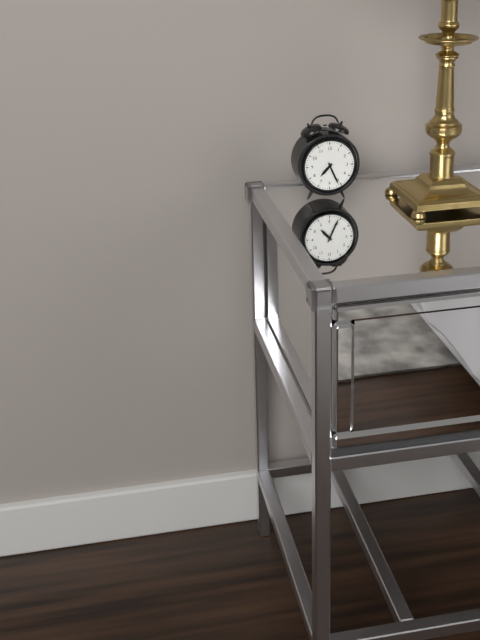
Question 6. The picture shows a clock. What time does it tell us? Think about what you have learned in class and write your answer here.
7:26
